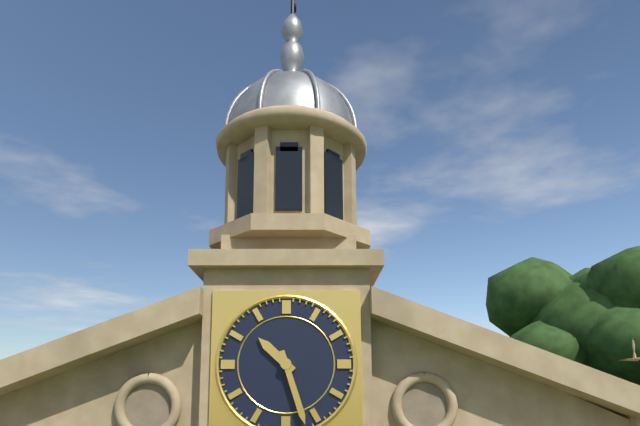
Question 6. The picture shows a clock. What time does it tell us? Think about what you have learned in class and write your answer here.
10:27
